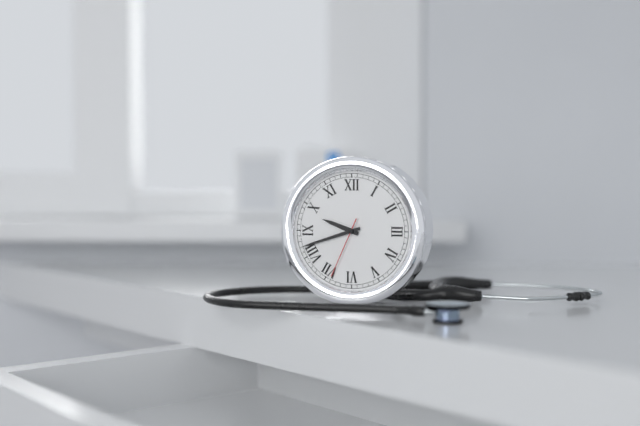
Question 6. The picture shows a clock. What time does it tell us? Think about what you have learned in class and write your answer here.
9:42:34
